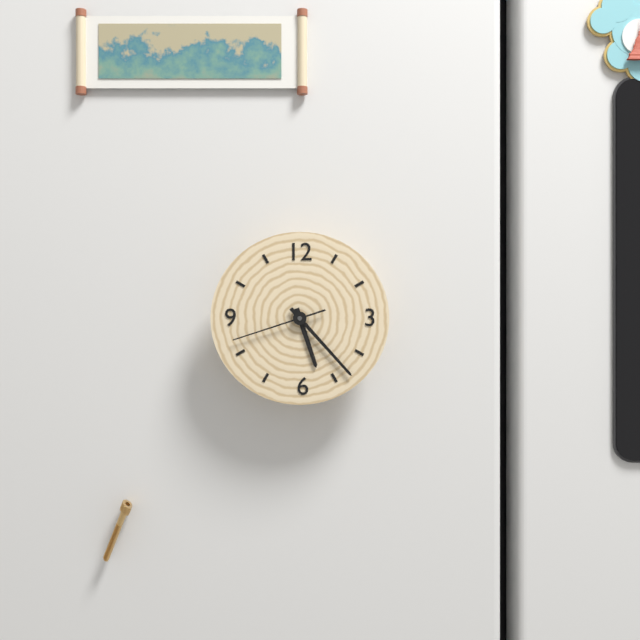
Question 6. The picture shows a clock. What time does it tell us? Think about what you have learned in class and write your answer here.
5:23:42
